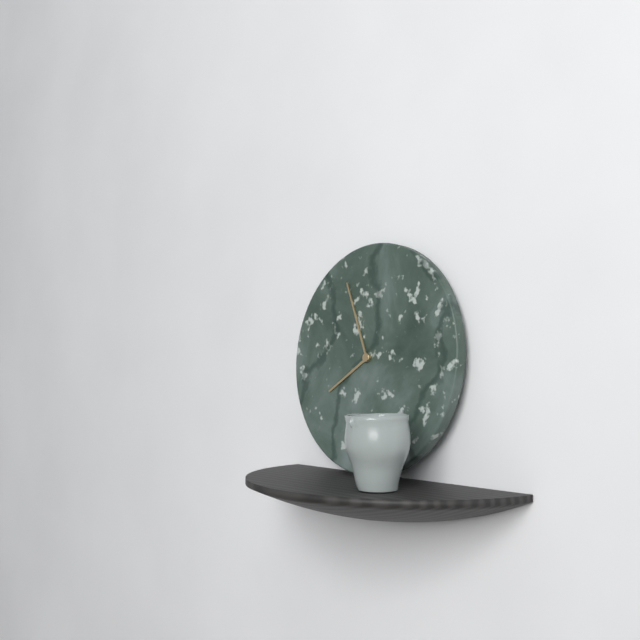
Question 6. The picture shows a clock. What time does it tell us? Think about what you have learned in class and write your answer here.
7:56
